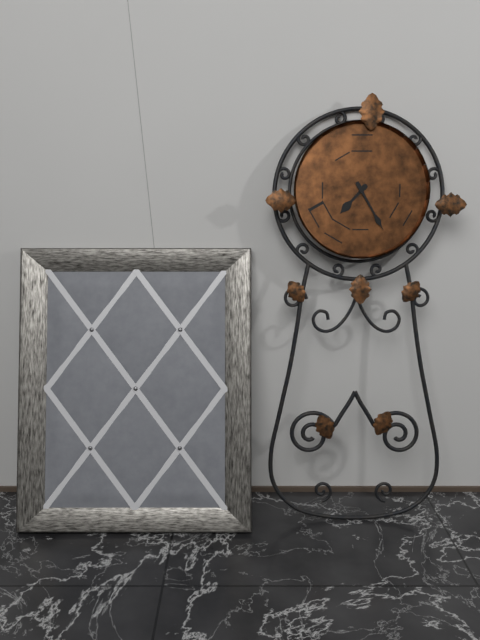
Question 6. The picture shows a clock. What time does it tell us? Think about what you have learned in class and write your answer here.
7:25
